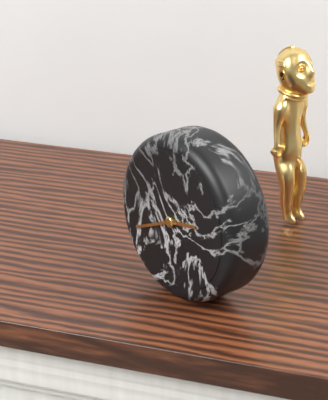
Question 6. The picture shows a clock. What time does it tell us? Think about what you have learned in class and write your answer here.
2:41
